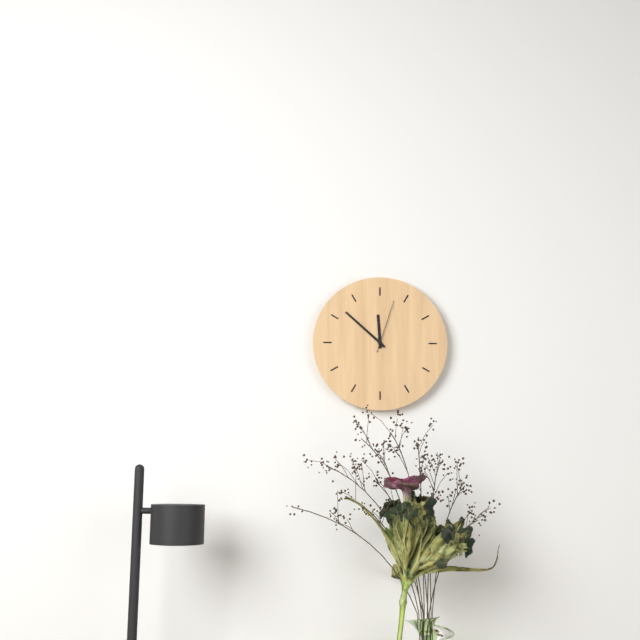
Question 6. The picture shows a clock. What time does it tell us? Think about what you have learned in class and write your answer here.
11:52:03
